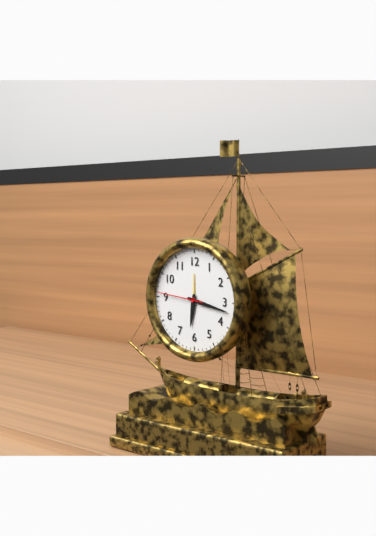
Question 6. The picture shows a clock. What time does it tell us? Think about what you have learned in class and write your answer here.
6:17
